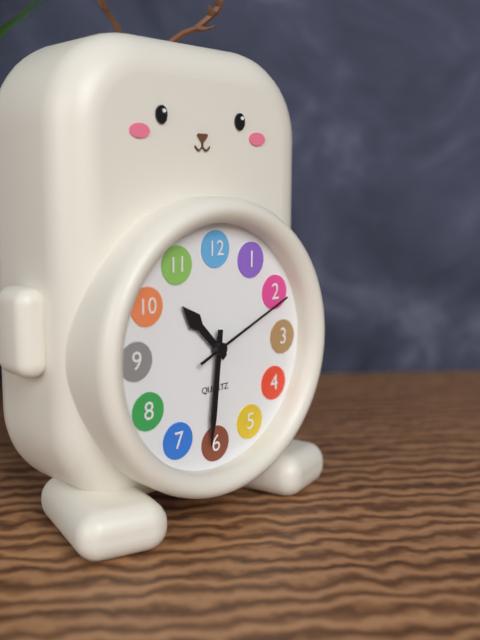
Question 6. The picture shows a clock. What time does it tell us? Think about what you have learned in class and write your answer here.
10:31:11
